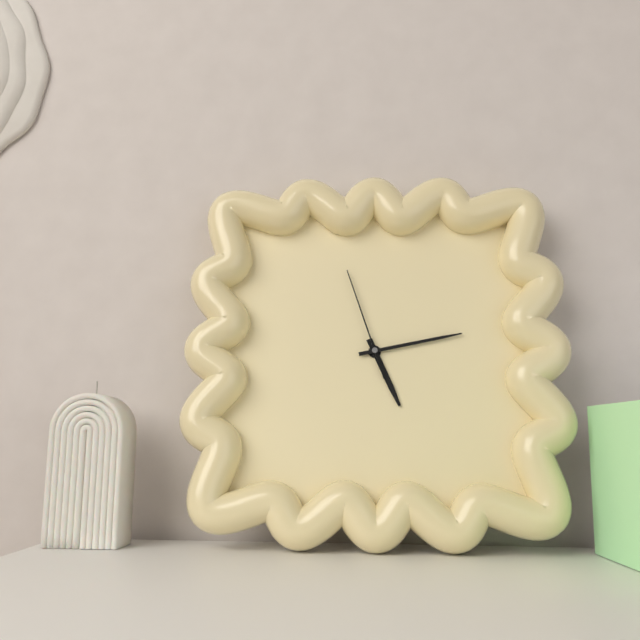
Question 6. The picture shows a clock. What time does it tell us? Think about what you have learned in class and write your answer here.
5:13:57
